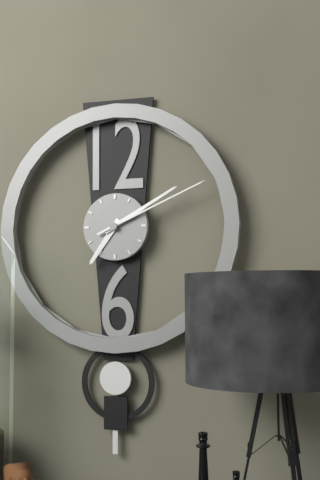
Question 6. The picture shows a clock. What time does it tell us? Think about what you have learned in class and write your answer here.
7:10:11
